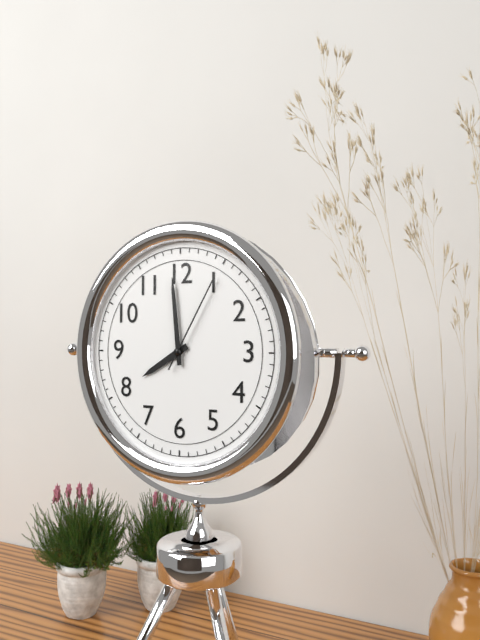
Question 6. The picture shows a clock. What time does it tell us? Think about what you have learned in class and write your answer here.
7:59:05
